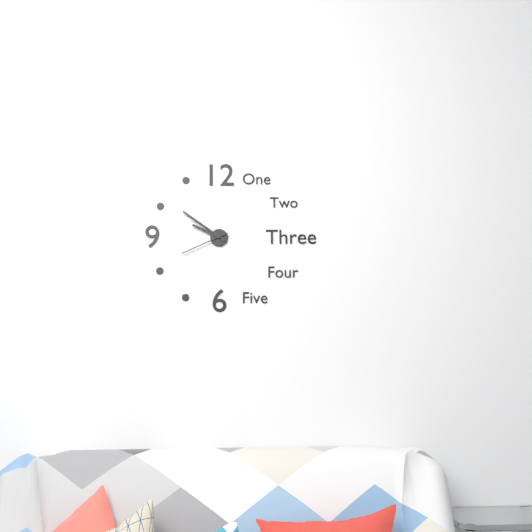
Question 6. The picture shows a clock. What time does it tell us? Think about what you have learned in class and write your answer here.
9:51:41
